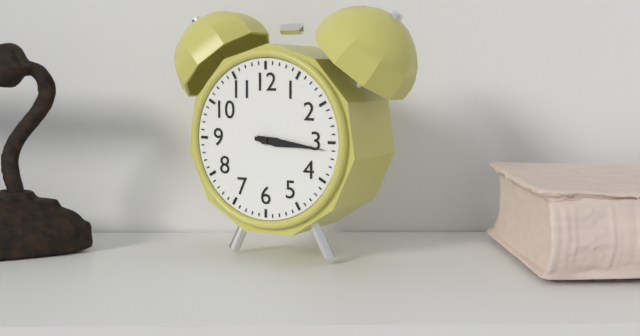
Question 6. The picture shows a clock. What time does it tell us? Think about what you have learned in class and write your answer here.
3:16
